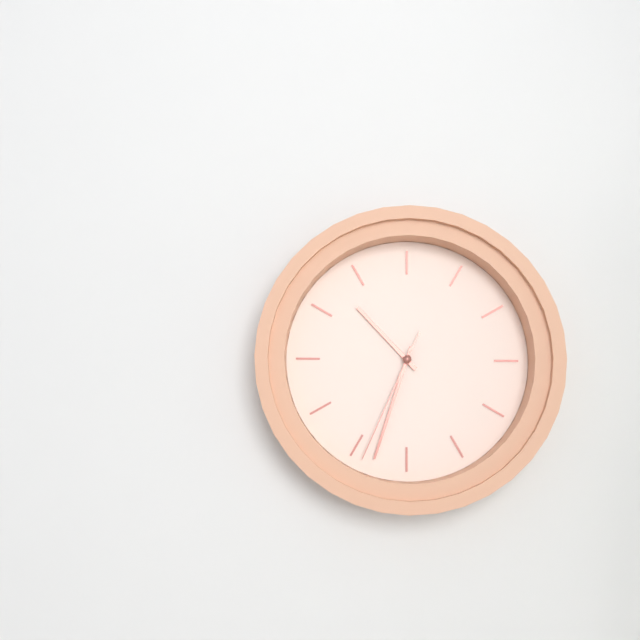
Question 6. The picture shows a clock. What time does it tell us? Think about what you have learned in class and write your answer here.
10:33:34
